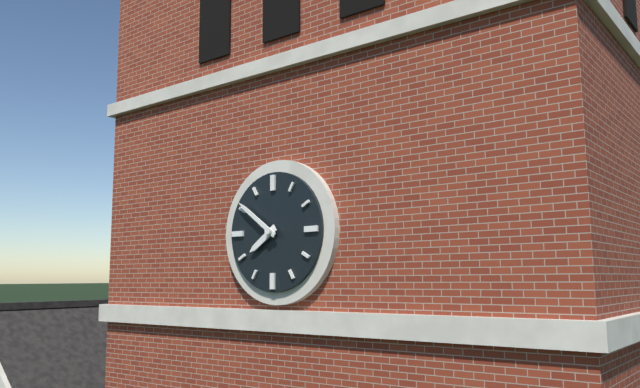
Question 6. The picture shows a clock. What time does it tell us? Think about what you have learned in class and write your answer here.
7:51
